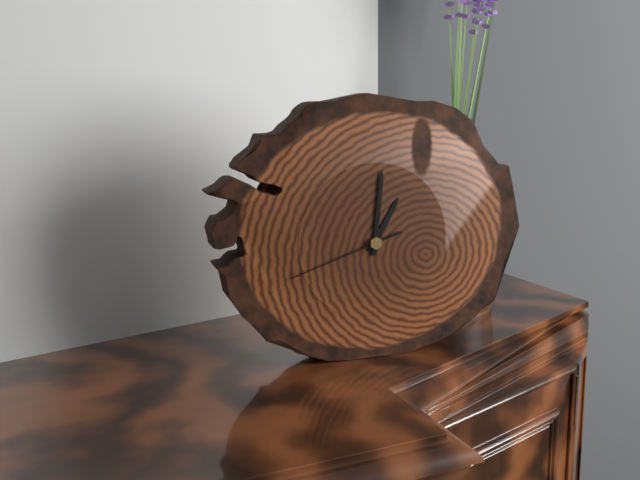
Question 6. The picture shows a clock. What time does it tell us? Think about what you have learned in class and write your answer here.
1:01:42
